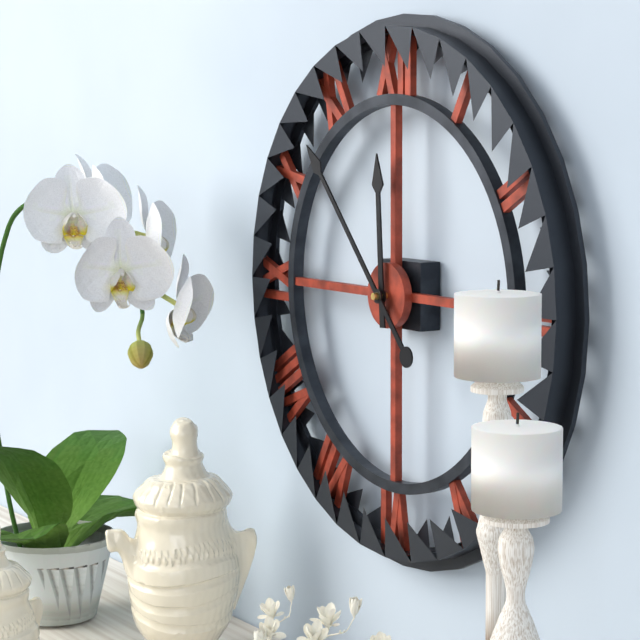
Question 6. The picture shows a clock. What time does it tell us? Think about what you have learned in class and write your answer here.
11:53
